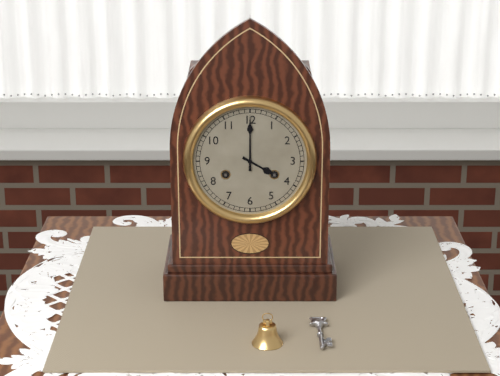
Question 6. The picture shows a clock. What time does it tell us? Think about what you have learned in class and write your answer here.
4:00
